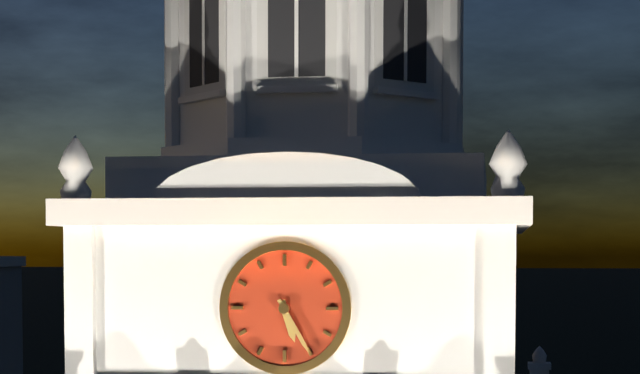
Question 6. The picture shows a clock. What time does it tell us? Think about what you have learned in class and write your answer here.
5:25
